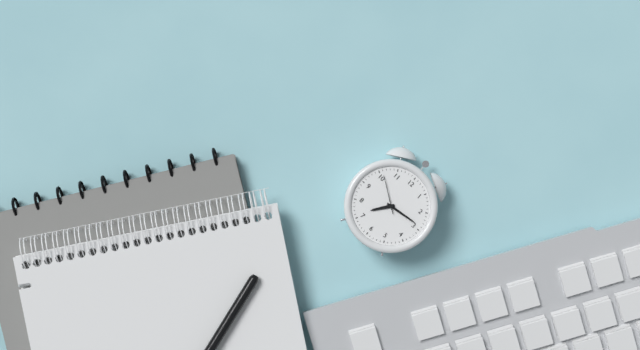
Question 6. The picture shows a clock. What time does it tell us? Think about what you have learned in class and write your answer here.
7:14
